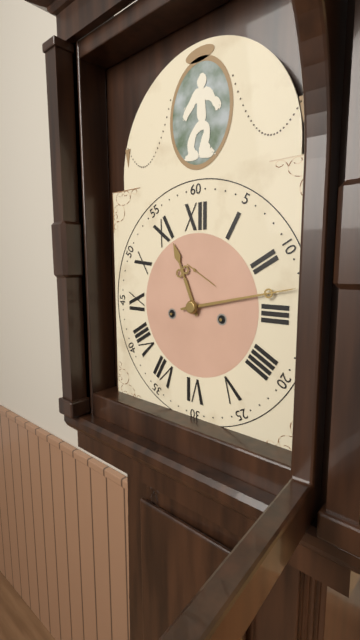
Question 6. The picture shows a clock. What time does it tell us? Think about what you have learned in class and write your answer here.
11:13
